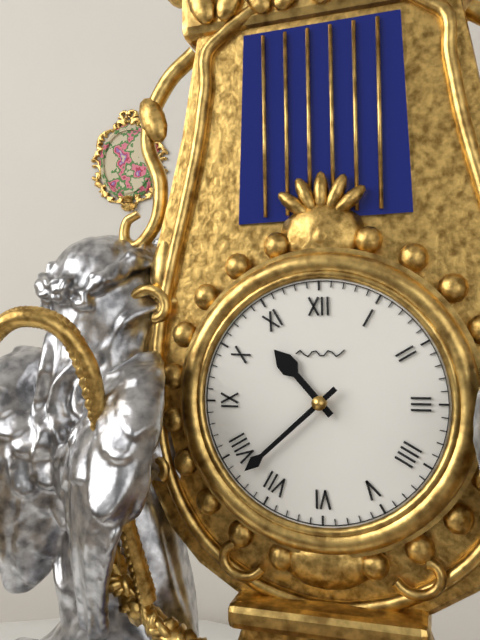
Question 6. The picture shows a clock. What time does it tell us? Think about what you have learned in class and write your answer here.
10:38
